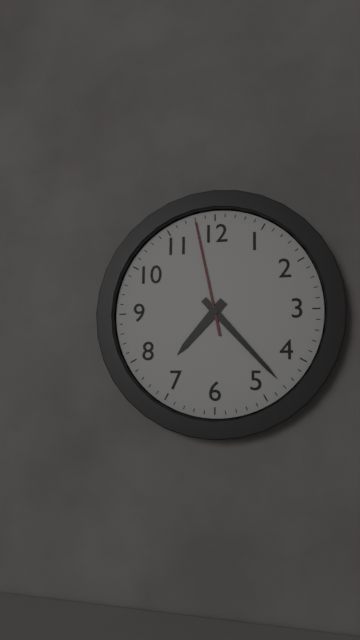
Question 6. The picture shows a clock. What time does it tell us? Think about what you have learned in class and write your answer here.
7:23:58
